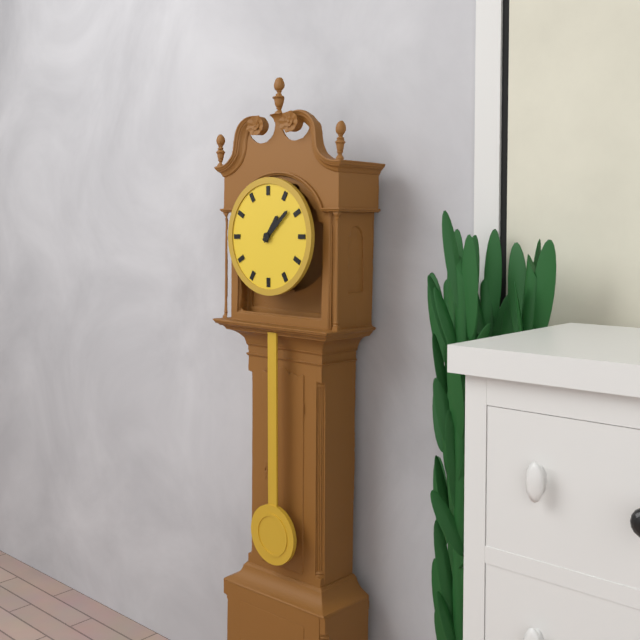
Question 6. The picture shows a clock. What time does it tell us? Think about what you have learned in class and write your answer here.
1:08
